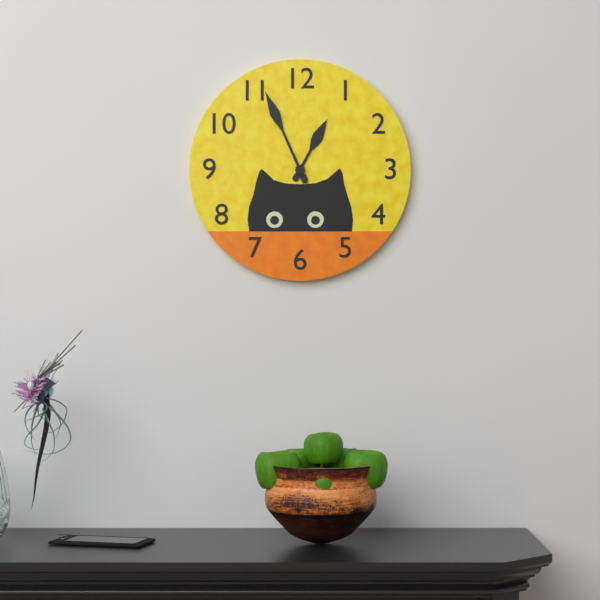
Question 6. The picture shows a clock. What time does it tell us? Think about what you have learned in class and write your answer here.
12:56
